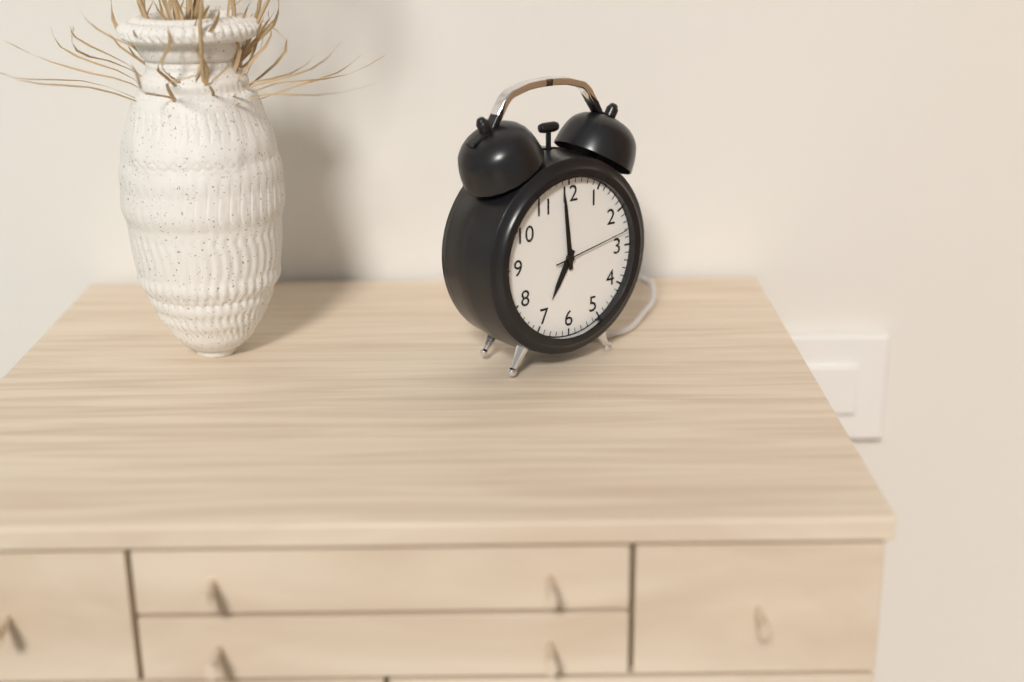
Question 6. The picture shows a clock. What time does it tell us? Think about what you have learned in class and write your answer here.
6:59:13
